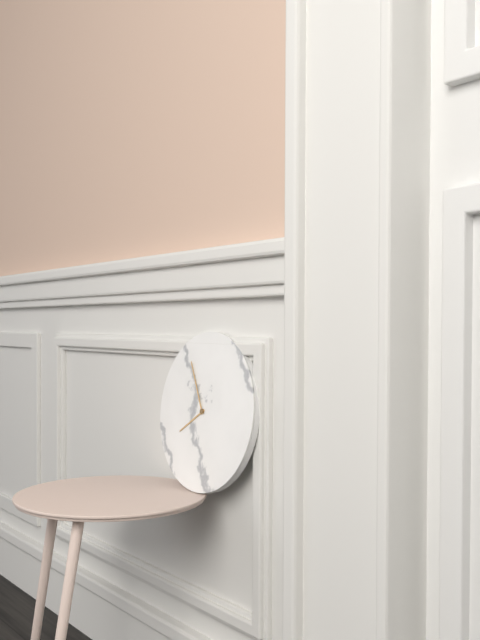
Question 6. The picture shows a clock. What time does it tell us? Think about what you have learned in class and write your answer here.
7:55
